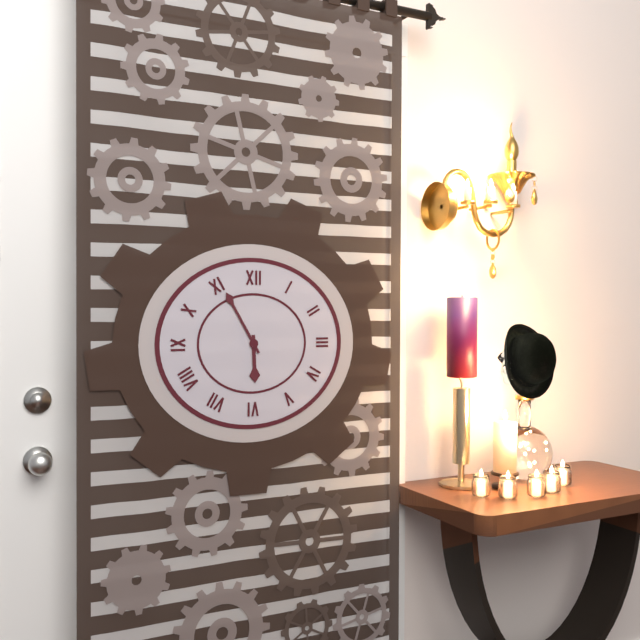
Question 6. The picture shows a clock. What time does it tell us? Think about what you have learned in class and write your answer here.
5:55
